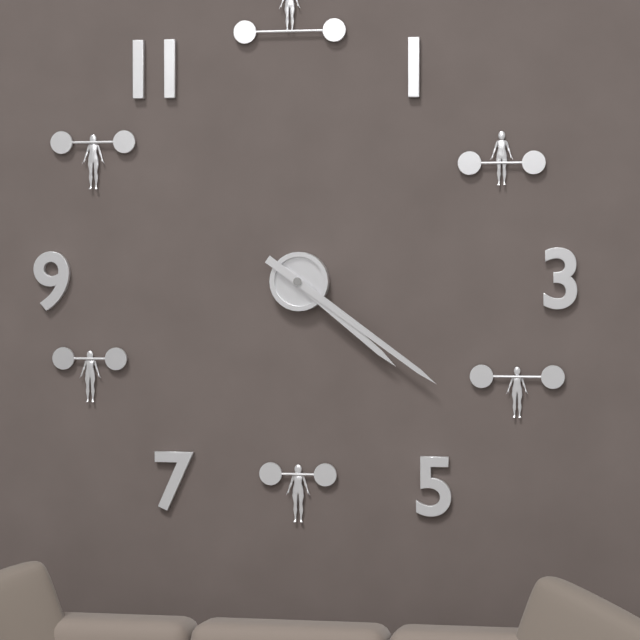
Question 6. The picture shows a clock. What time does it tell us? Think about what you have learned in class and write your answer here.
4:21
